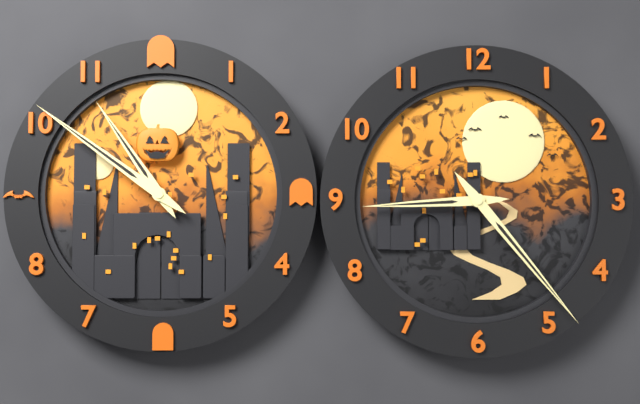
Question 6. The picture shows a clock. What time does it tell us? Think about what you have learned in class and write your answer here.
10:51
